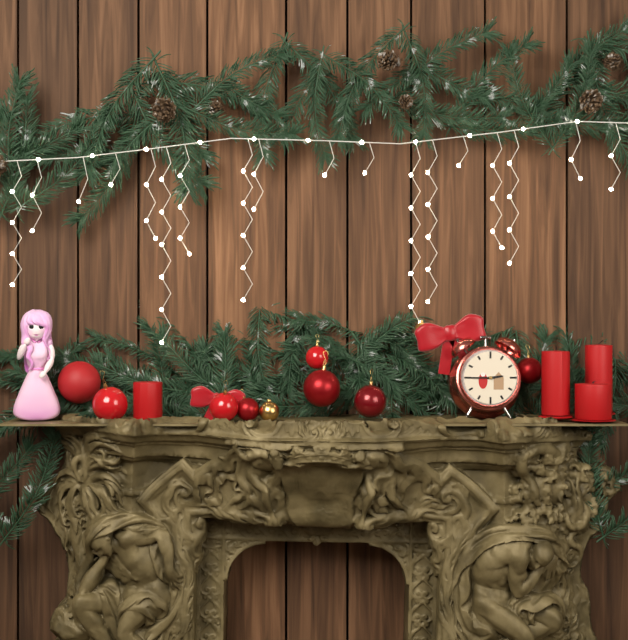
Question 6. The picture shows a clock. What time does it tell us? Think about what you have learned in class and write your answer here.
2:45
